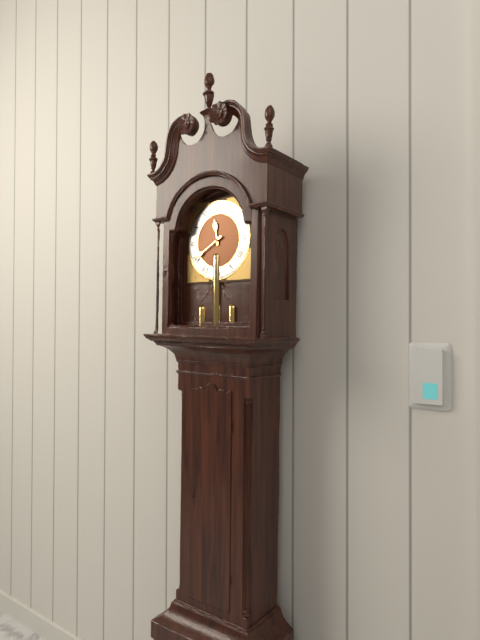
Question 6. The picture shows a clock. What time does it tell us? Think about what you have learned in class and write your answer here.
11:40
